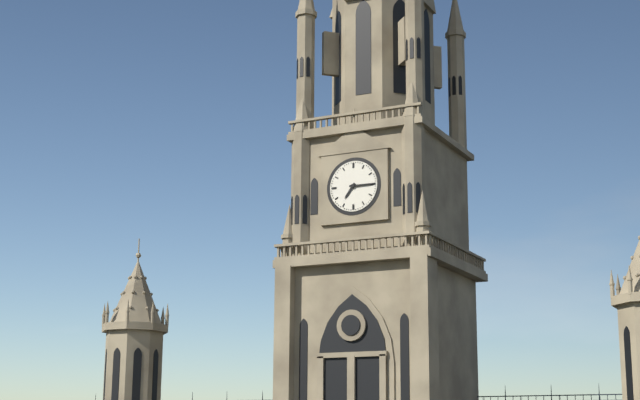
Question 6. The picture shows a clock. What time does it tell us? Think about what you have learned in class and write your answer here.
7:15
